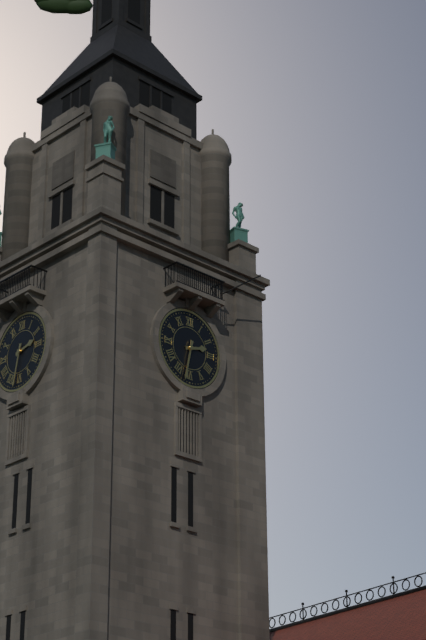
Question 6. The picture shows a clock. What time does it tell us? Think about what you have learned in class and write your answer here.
2:32
